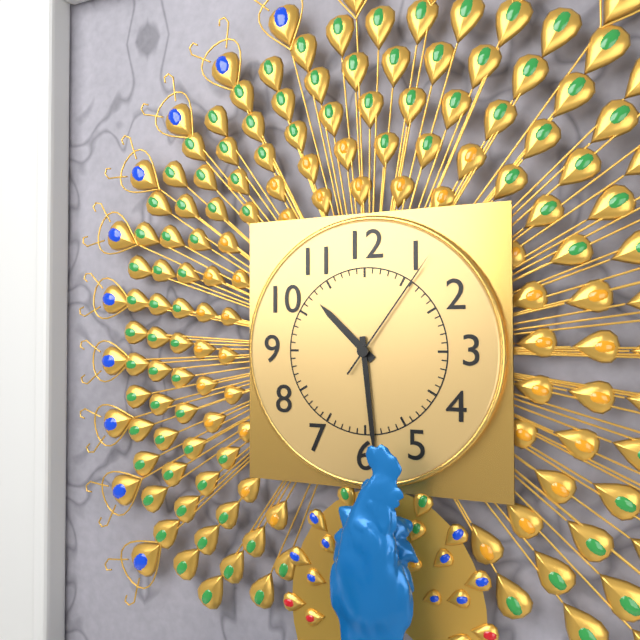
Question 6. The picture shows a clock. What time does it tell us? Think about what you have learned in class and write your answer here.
10:29:06
